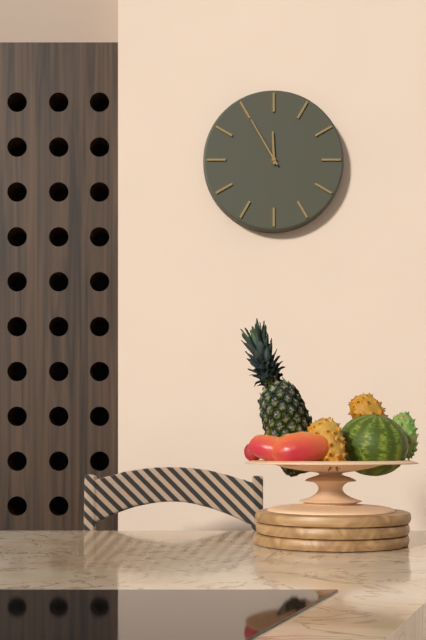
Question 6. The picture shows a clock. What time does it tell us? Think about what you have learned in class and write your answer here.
11:55
